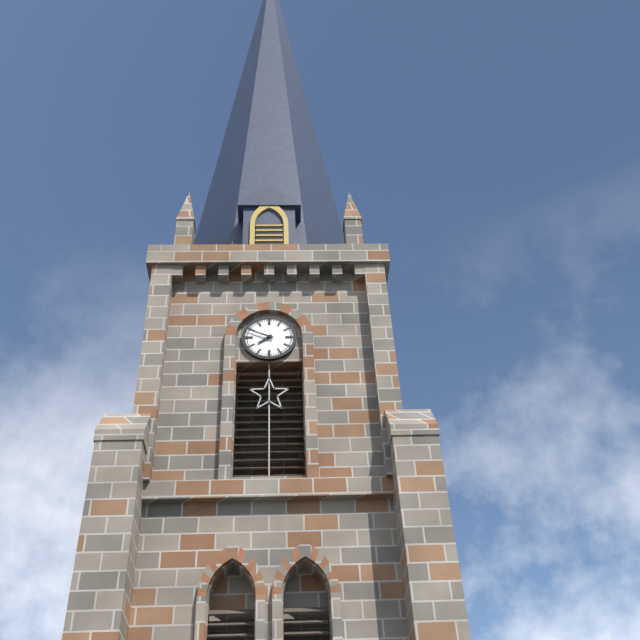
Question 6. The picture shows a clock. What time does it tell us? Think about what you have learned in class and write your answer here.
7:49
